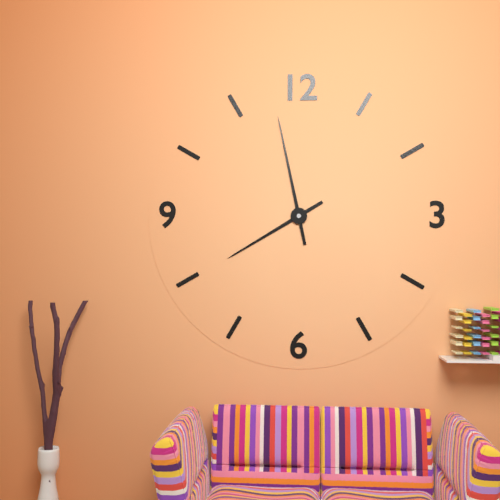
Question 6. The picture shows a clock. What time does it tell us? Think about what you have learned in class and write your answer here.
7:58
